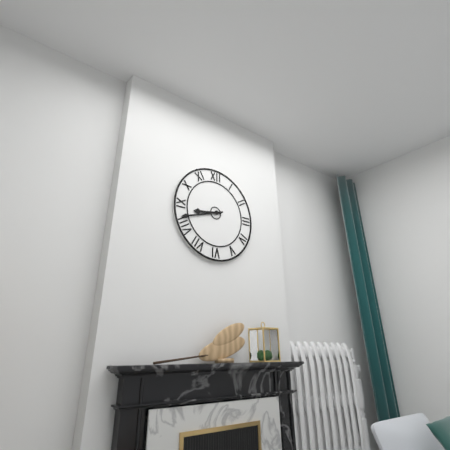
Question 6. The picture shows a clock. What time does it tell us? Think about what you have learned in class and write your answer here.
8:42
